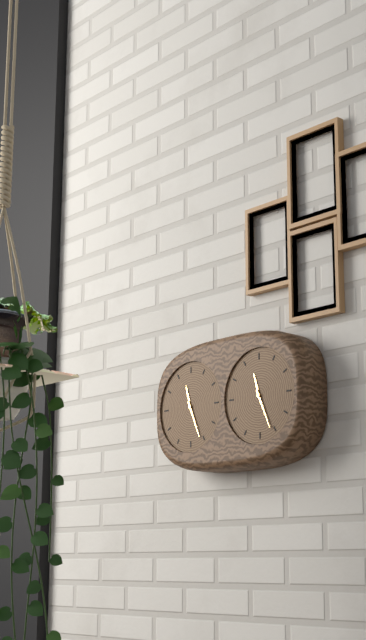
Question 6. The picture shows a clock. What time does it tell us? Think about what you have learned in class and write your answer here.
11:26
